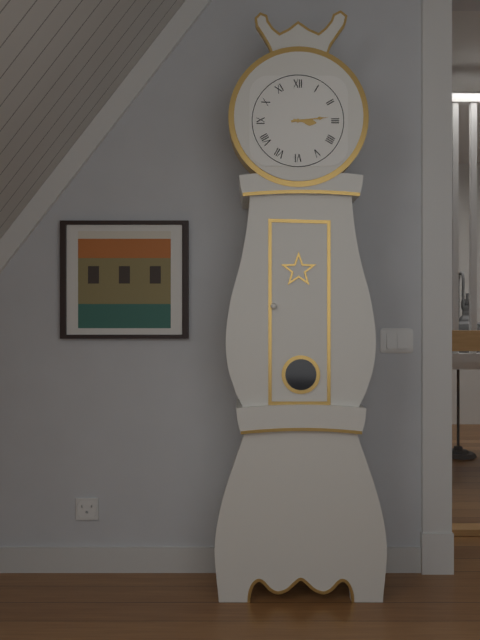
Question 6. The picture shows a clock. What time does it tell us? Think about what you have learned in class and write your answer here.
3:14
